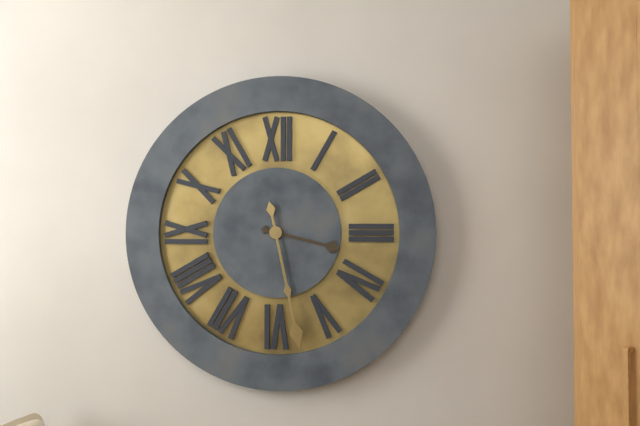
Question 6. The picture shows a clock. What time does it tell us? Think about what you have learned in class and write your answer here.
3:28
